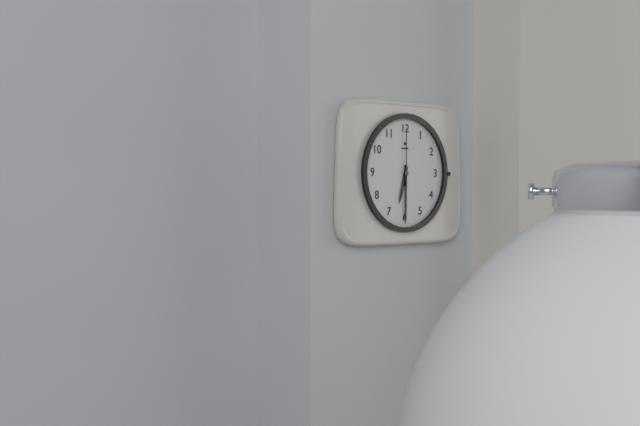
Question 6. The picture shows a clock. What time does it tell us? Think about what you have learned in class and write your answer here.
6:30:00
